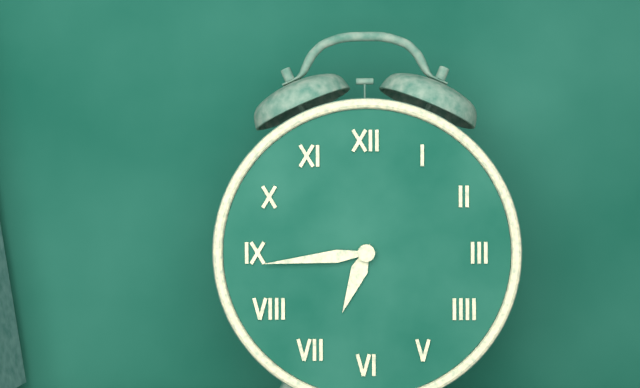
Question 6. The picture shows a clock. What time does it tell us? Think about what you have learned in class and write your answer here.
6:44
